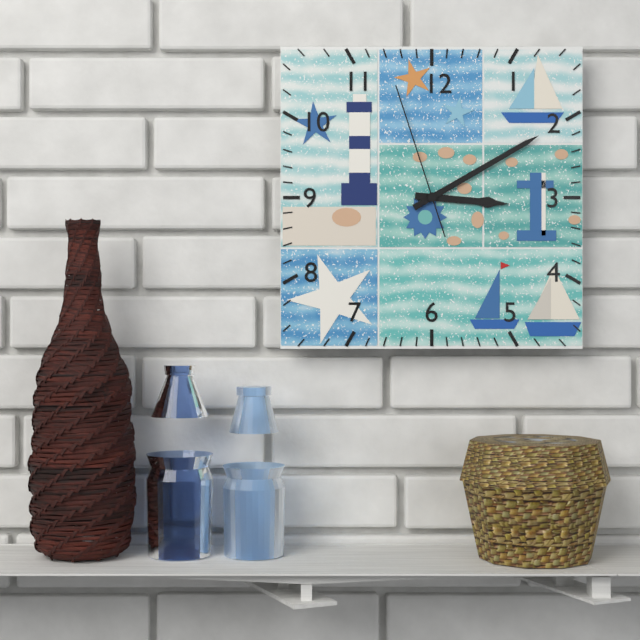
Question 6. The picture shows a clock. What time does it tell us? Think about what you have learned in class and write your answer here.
3:10:57
